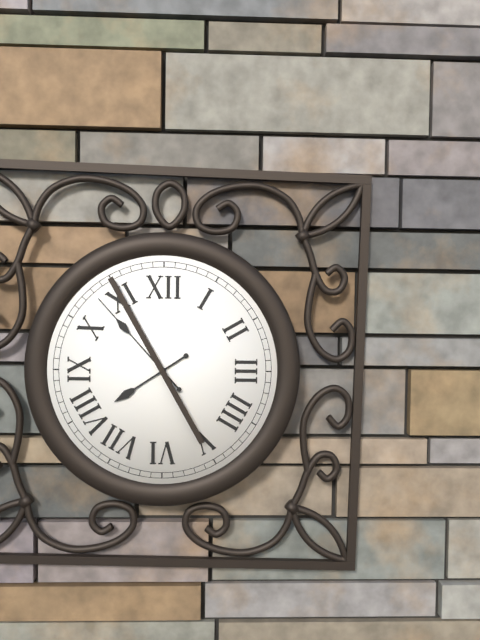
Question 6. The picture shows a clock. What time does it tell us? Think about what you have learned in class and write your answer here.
7:53
